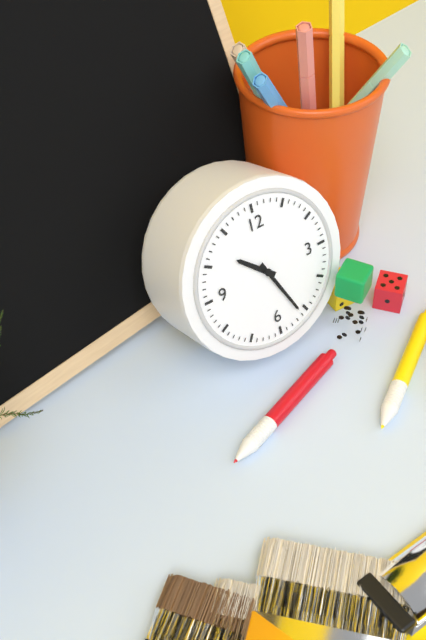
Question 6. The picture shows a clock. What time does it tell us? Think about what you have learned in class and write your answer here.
10:26
